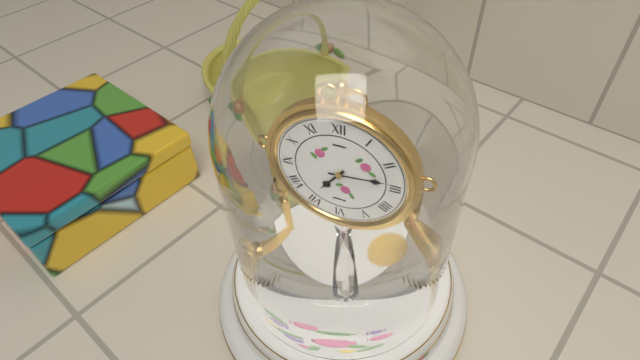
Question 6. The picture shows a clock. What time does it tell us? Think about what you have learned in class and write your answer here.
7:14
